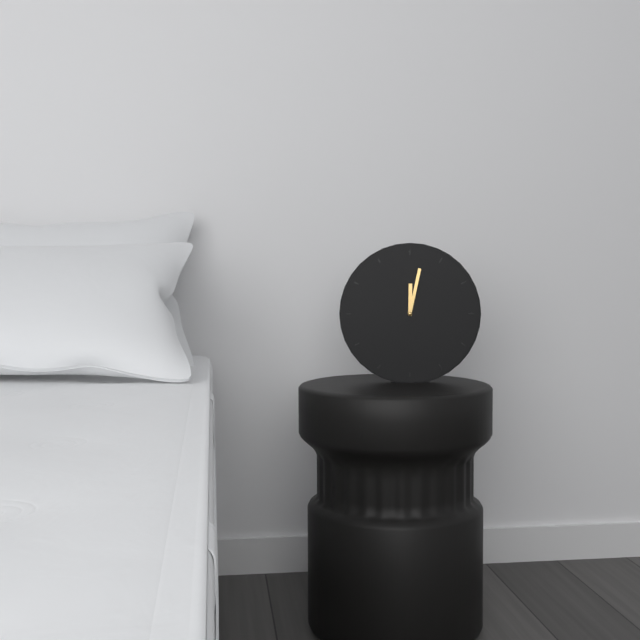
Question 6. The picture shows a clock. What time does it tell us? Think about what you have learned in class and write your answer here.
12:02
